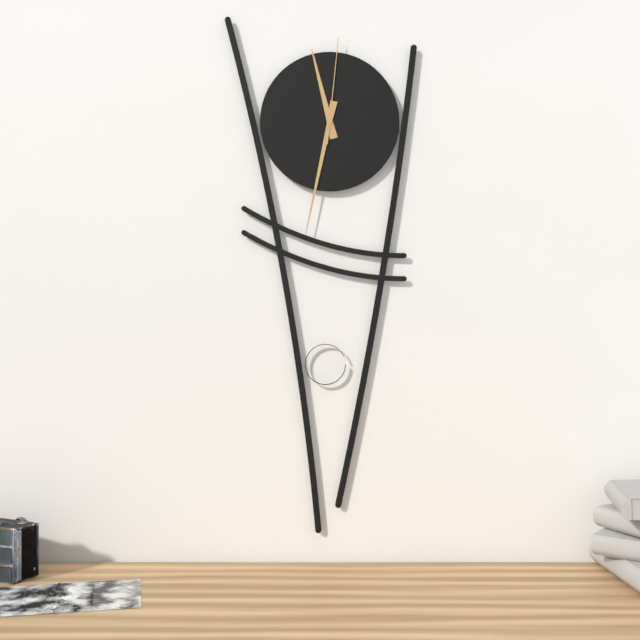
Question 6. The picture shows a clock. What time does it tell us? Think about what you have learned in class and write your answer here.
11:32:01
